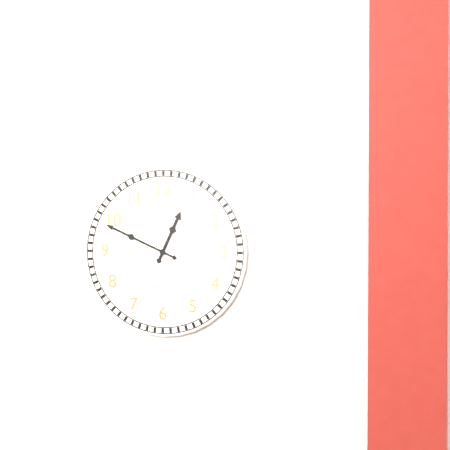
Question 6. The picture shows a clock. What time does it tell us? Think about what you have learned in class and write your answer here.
12:49
